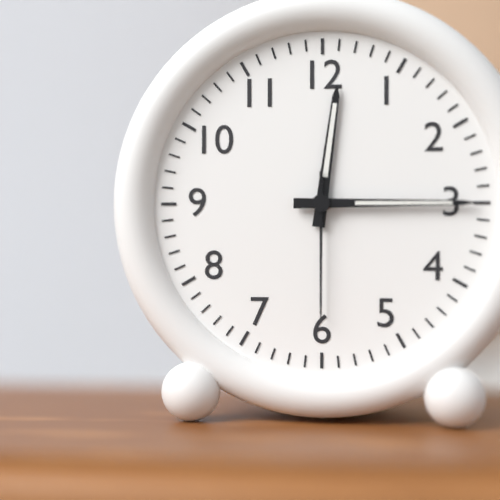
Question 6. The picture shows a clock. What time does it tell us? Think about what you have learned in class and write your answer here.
12:15:30
